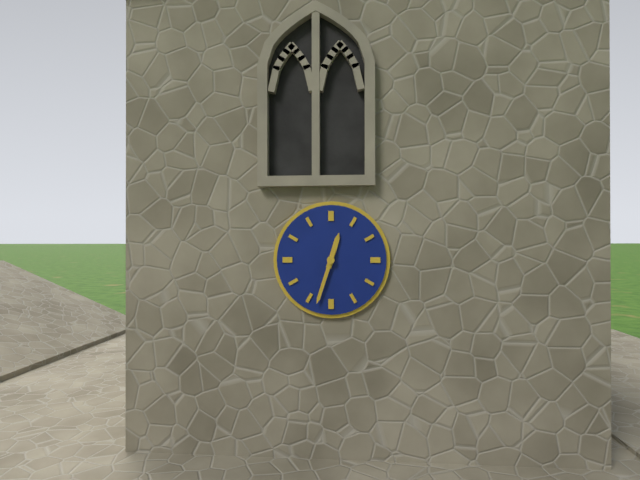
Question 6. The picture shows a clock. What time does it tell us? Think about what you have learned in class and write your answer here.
12:33
